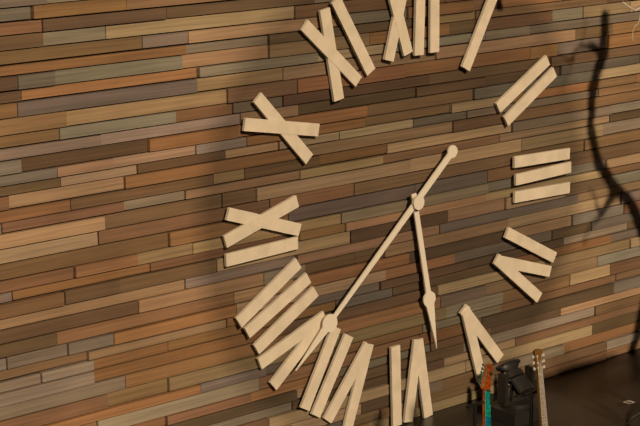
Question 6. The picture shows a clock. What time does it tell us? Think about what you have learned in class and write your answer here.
5:38
